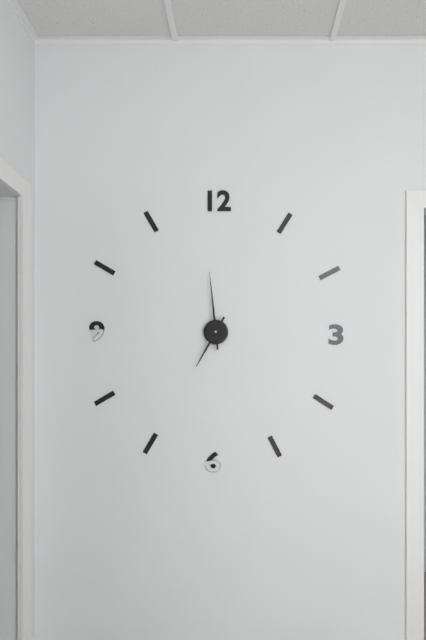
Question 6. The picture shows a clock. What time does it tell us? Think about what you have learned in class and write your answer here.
6:59
